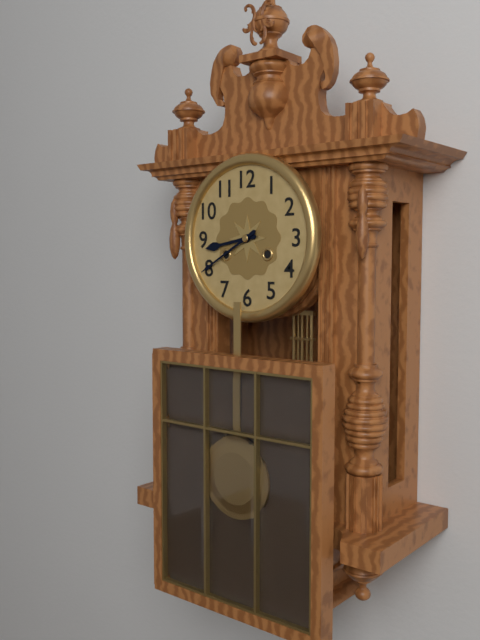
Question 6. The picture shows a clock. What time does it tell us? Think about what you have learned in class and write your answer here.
8:40
